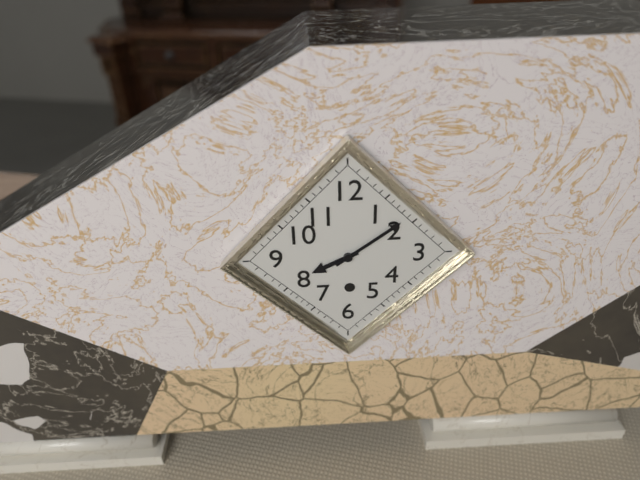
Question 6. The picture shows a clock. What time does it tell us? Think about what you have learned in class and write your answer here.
8:09
